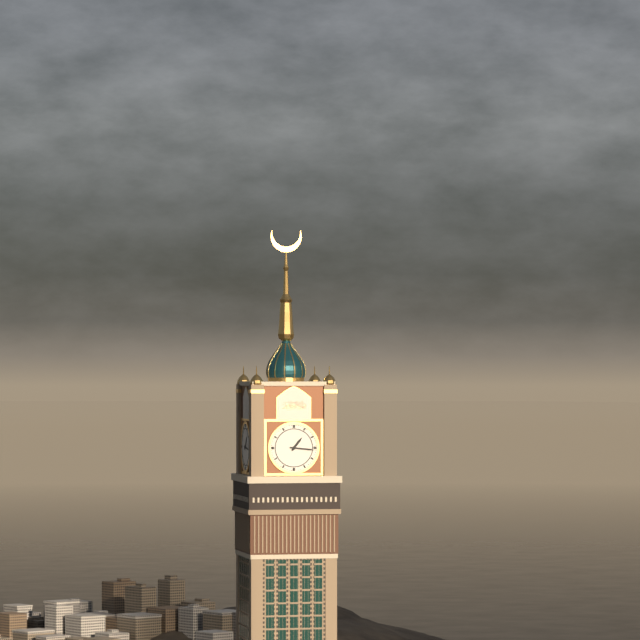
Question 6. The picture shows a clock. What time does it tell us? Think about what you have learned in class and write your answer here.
1:16
